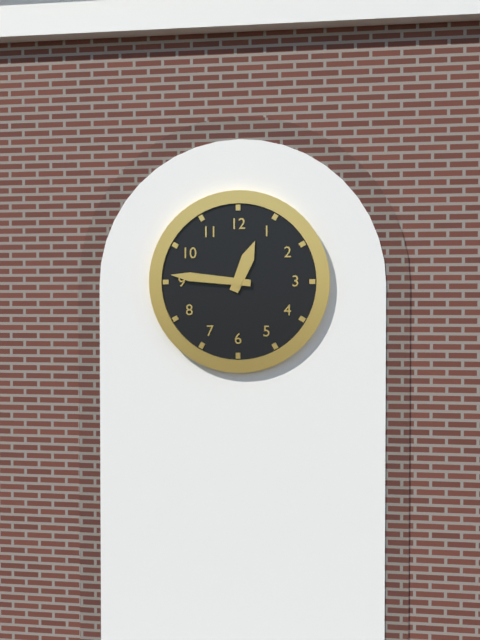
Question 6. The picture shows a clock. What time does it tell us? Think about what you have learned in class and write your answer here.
12:46
